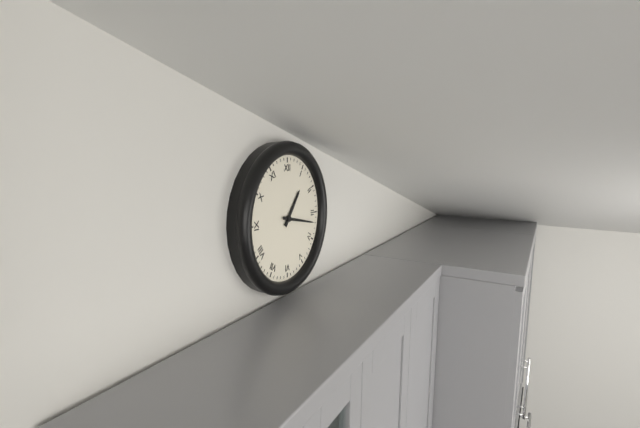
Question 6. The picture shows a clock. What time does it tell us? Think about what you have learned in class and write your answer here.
1:17
